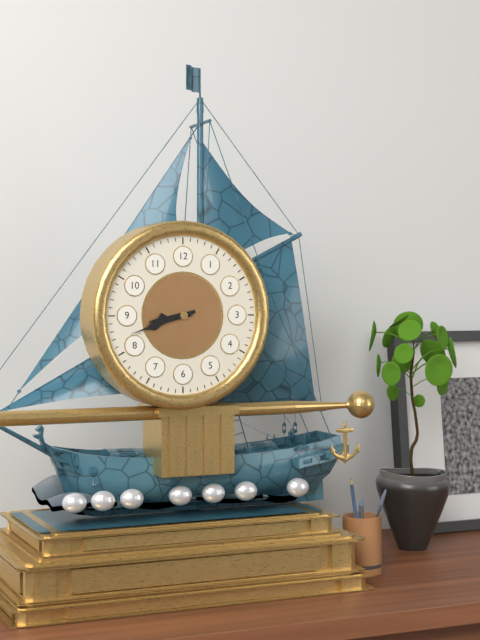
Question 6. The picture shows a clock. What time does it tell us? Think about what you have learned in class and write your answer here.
8:42
